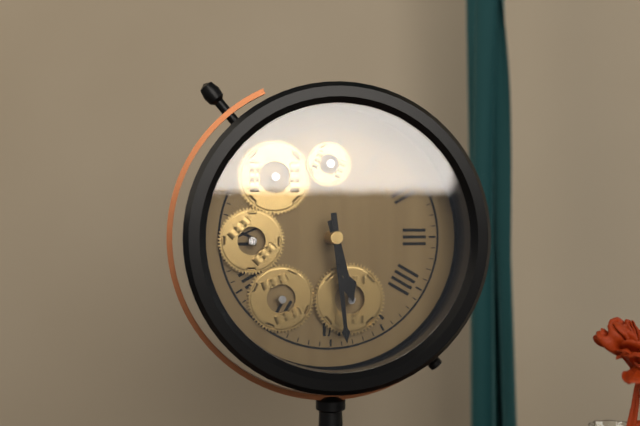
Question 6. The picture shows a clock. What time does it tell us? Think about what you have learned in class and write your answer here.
5:29
